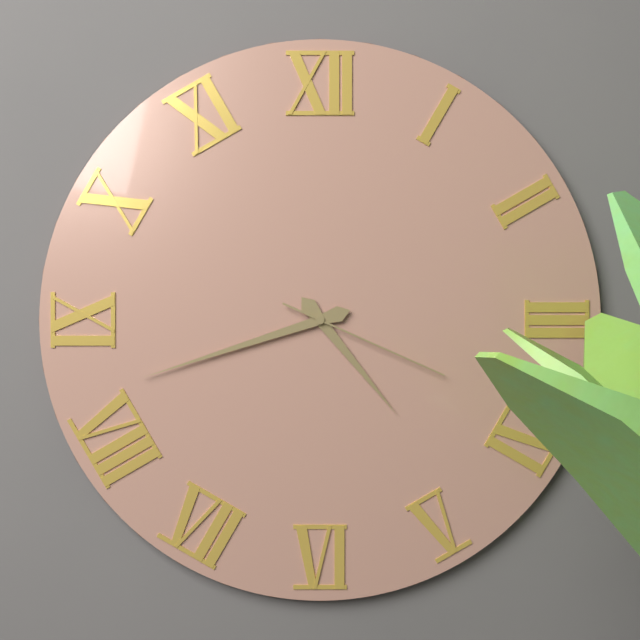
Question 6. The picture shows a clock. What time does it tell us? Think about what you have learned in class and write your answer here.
4:42:19
